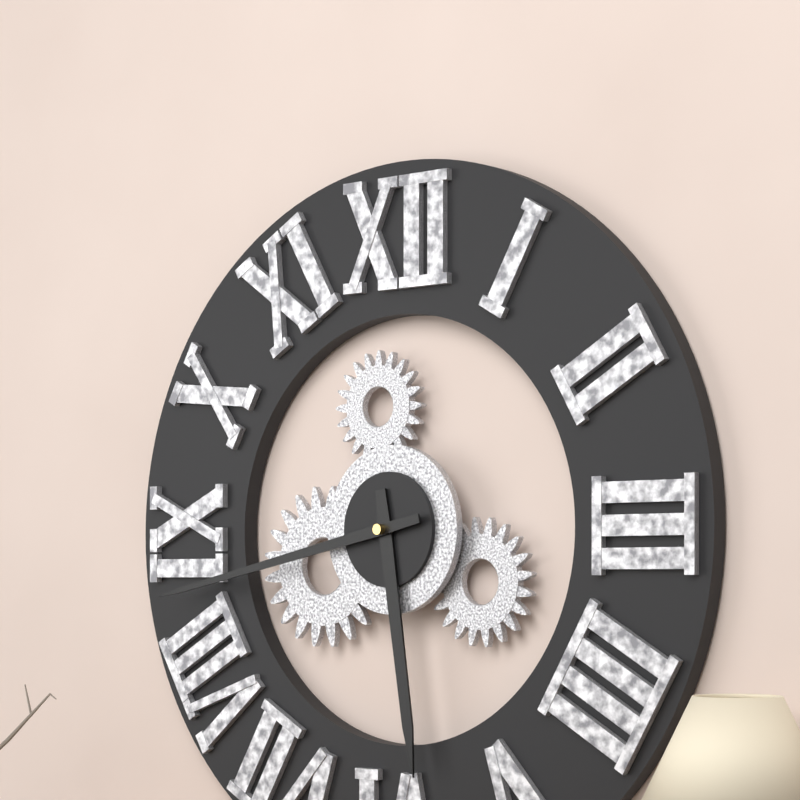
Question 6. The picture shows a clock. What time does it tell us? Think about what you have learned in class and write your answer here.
5:43
